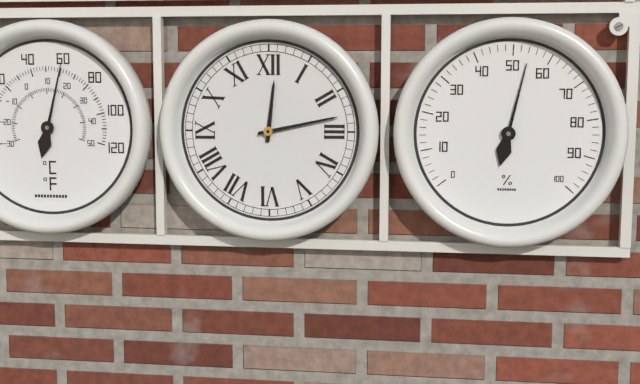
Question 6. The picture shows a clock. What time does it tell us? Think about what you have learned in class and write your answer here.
12:13
